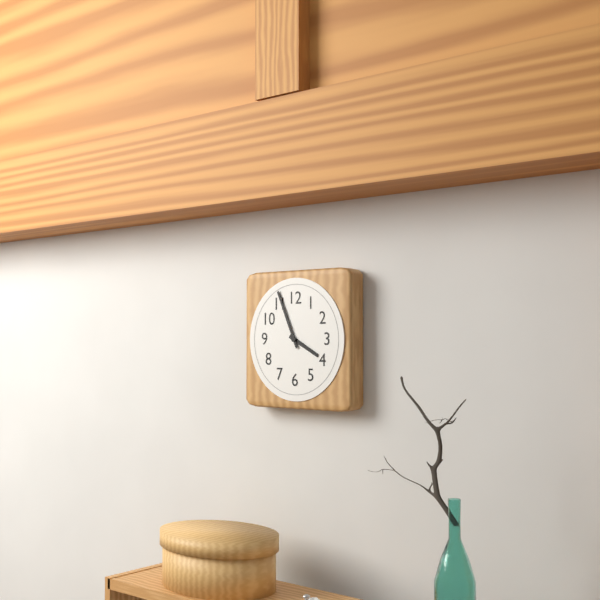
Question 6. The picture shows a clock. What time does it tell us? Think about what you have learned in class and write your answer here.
3:56
